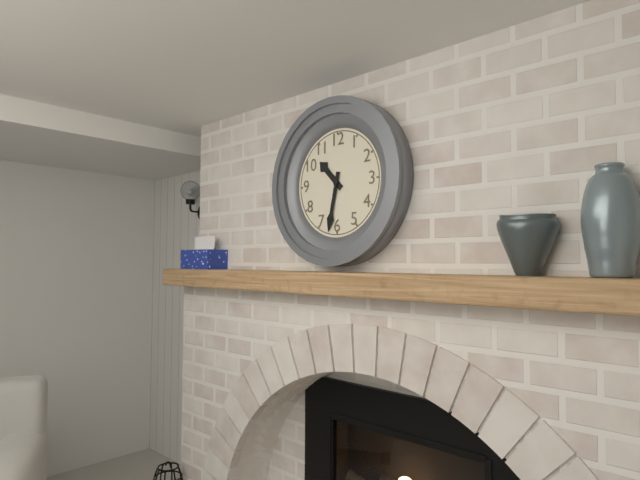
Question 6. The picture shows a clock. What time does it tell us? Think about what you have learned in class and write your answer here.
10:32
